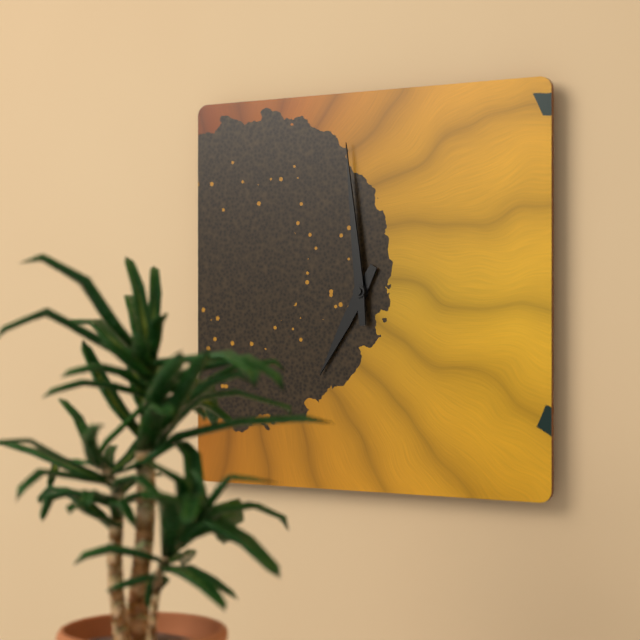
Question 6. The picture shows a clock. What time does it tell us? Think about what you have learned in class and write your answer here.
6:59
